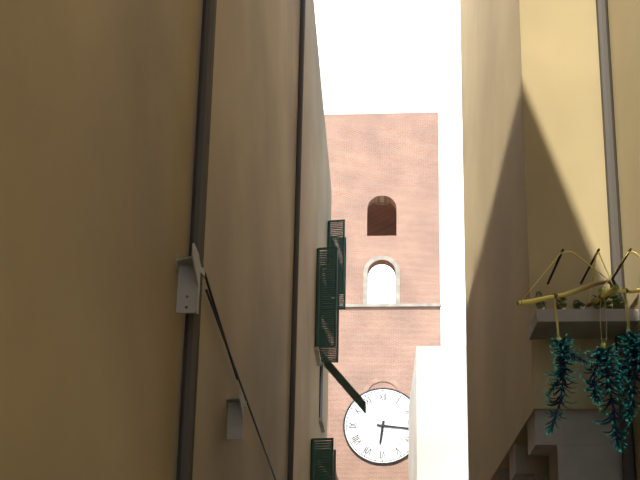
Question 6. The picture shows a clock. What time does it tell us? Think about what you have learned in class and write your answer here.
6:16
